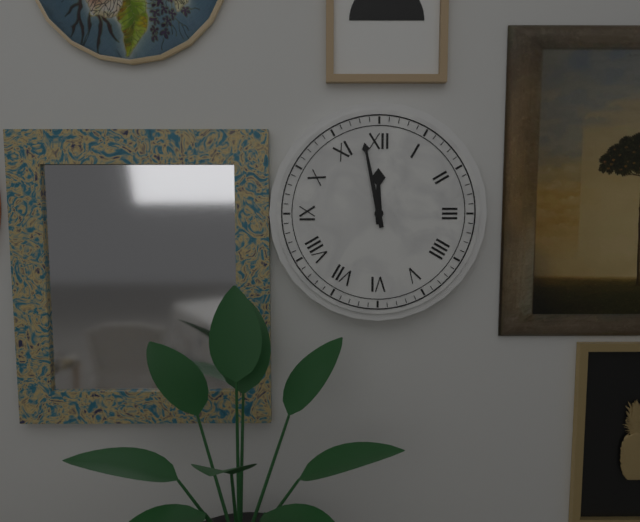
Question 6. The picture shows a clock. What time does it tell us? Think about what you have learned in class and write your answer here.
11:58
